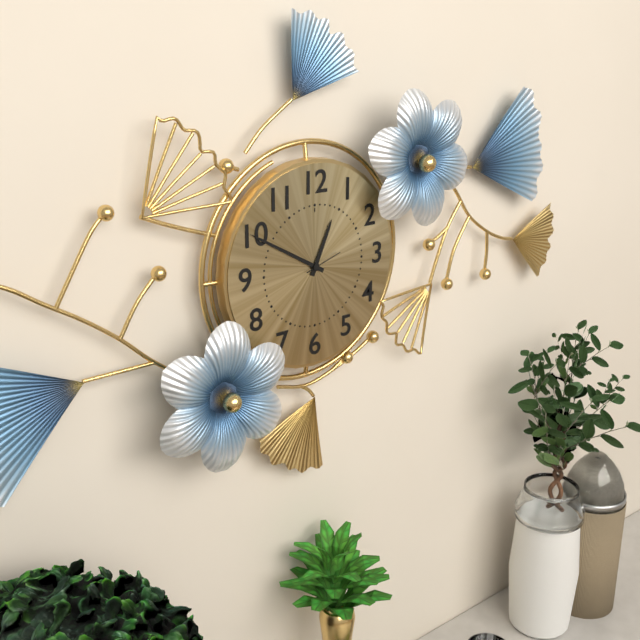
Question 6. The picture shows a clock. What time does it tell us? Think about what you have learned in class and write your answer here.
12:50
